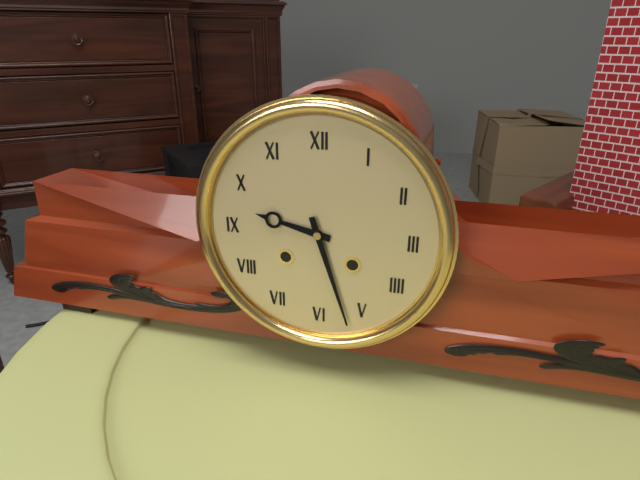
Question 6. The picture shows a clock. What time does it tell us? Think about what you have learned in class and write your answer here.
9:27
